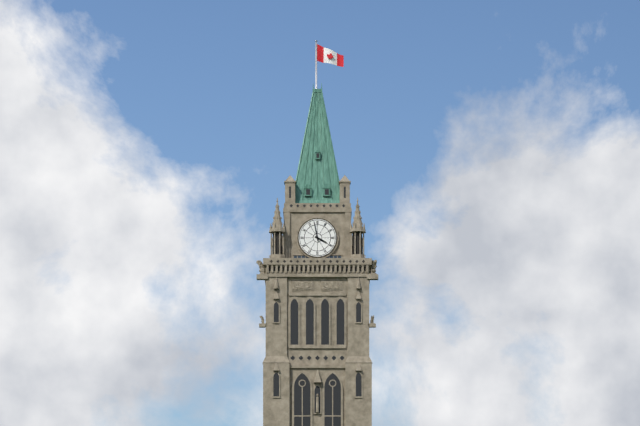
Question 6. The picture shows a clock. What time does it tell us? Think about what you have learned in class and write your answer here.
3:58
